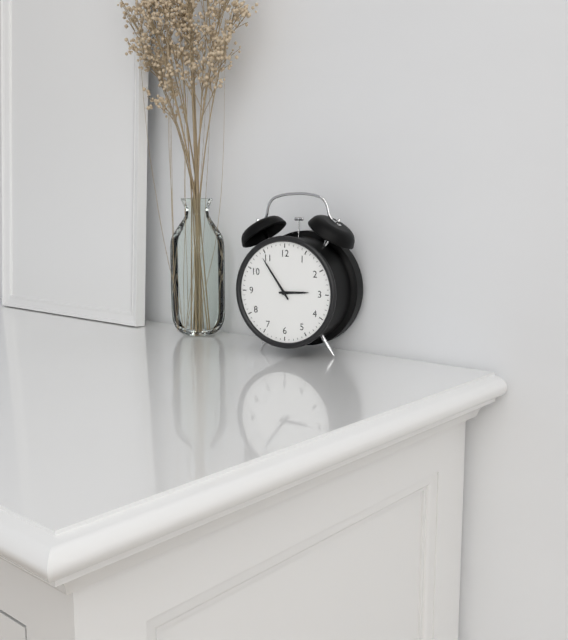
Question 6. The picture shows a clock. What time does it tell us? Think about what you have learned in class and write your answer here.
2:54
